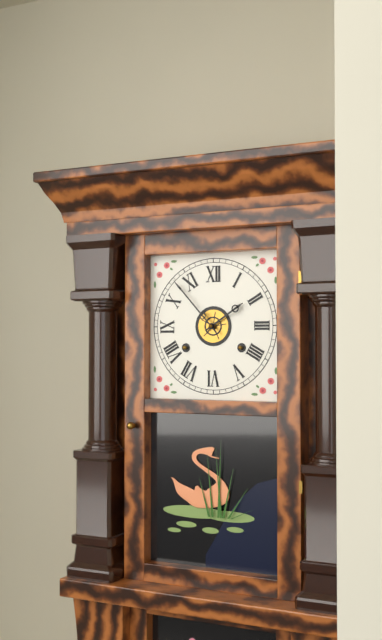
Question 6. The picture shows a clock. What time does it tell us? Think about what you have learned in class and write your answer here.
1:53
